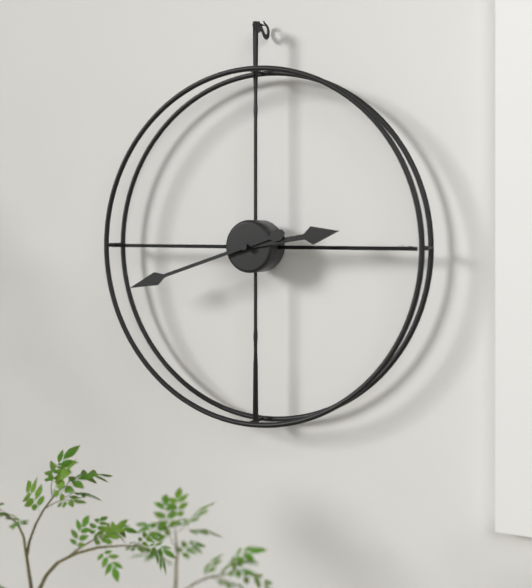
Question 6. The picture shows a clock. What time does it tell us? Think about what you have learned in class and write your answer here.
2:42
